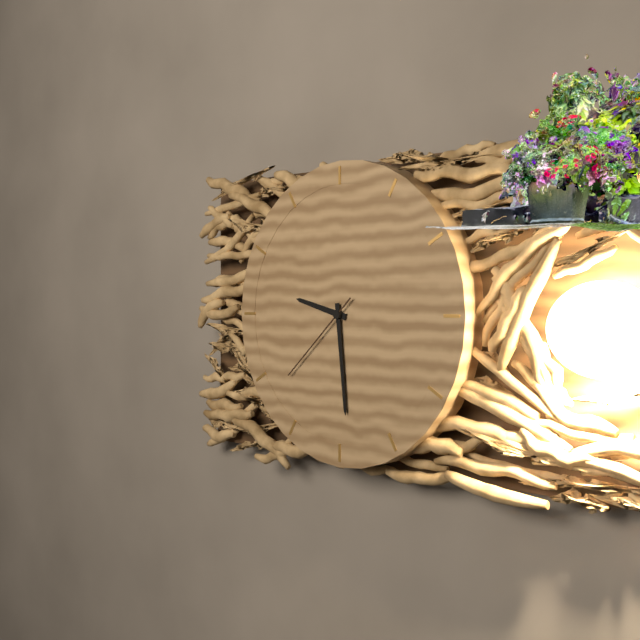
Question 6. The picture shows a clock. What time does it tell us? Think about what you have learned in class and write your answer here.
9:29:38
